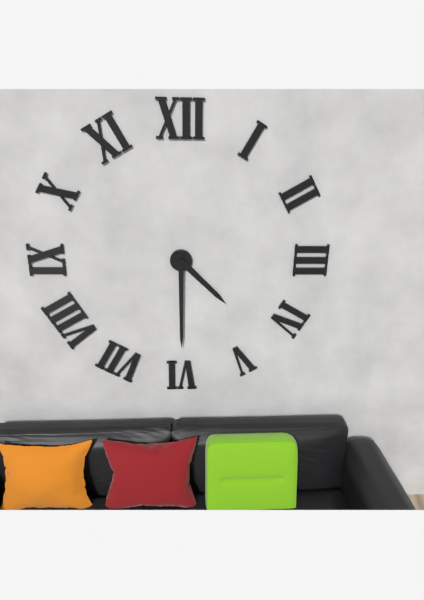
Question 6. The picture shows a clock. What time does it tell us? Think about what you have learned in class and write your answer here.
4:30
